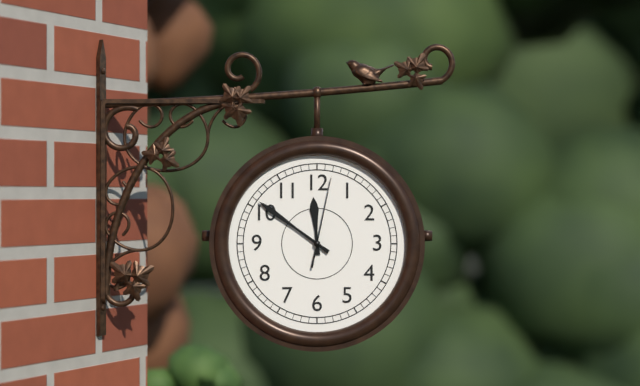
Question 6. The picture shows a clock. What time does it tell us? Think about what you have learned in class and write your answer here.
11:51:02
